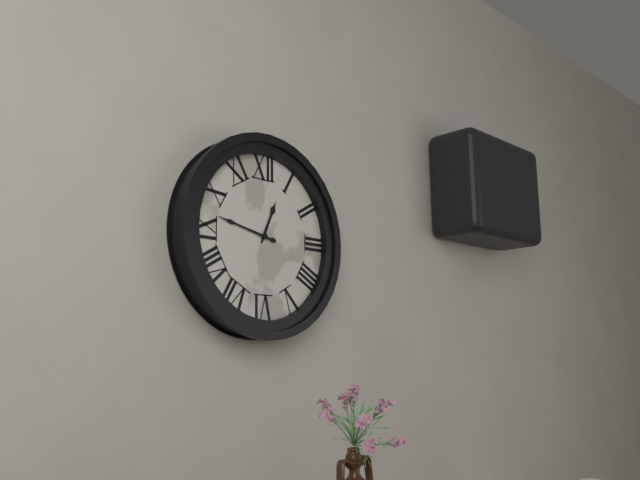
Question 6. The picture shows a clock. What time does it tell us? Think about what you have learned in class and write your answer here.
12:47
